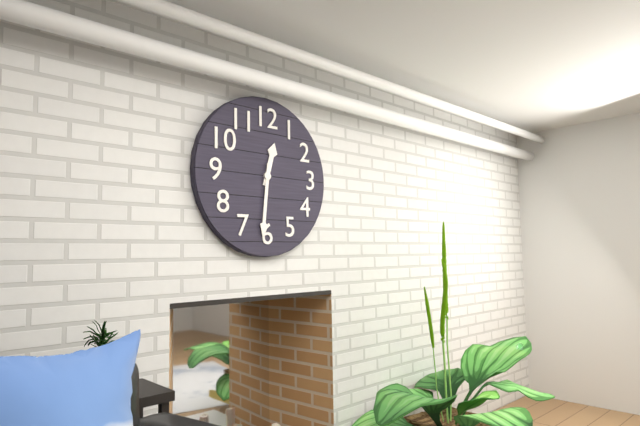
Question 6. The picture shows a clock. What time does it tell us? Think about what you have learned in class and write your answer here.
12:31
